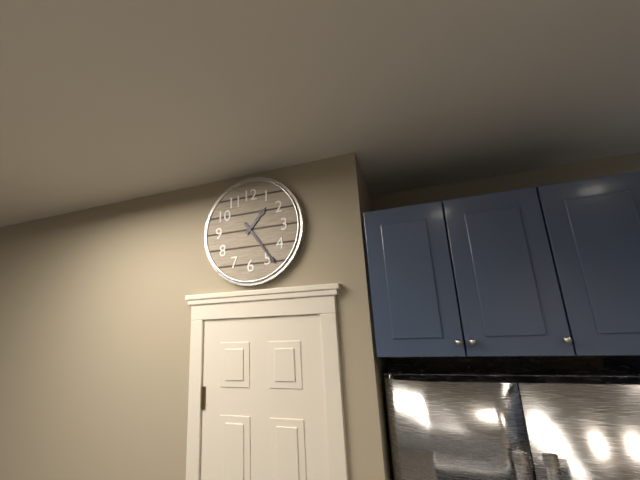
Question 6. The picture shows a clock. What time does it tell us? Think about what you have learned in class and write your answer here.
1:24
